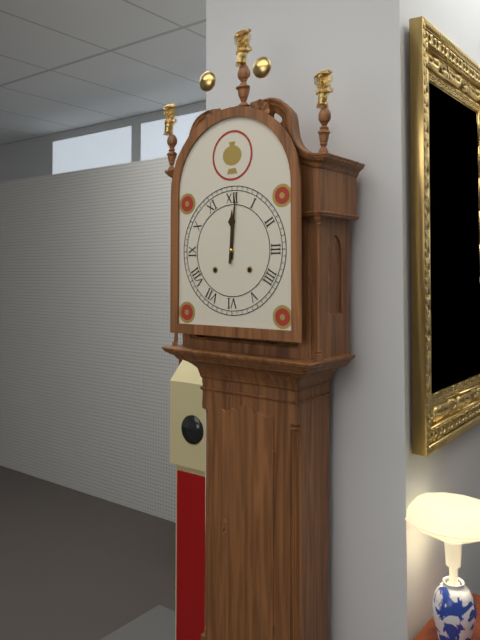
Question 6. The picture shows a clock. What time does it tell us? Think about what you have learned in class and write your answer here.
12:01
